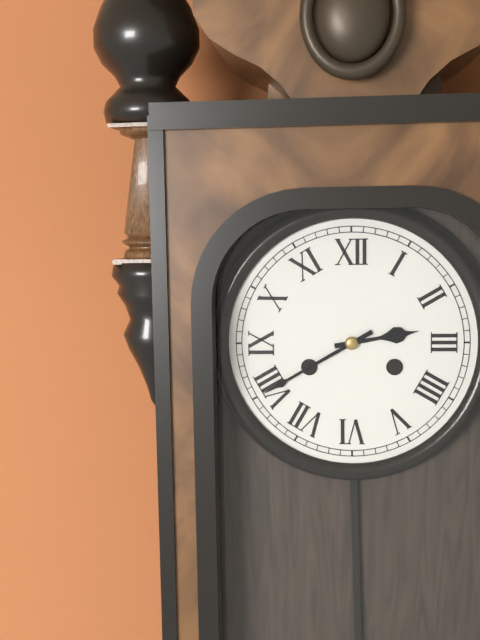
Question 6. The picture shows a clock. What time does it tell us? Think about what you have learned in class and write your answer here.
2:40
